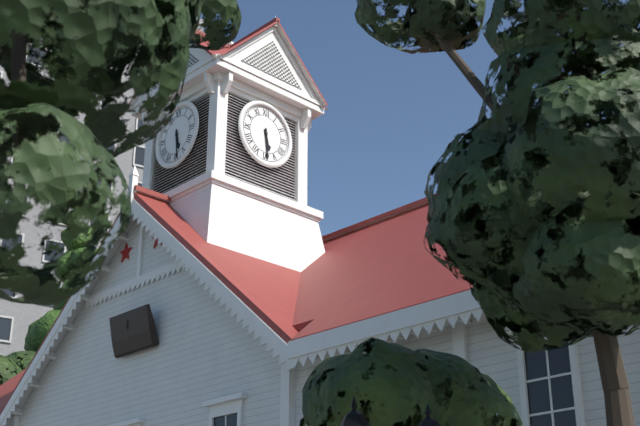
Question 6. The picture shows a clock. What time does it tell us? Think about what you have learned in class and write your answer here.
5:29
